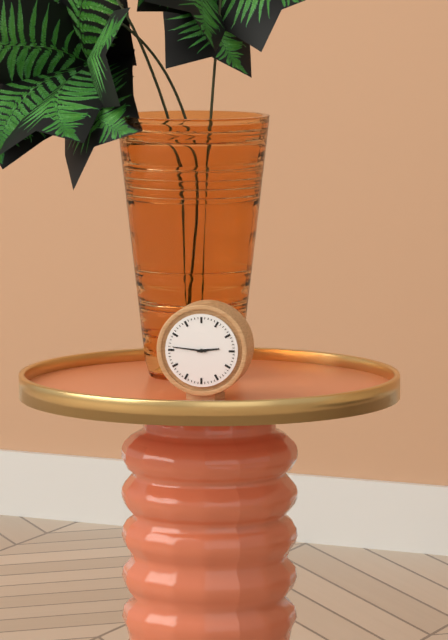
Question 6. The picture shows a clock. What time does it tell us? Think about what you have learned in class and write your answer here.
2:46
